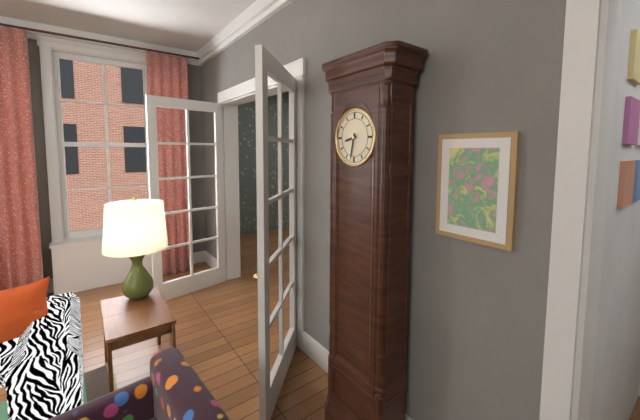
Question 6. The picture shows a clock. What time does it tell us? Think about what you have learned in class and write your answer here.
8:32
